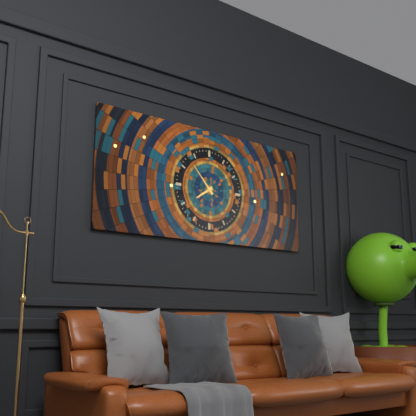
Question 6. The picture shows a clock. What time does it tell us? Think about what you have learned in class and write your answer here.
7:53
